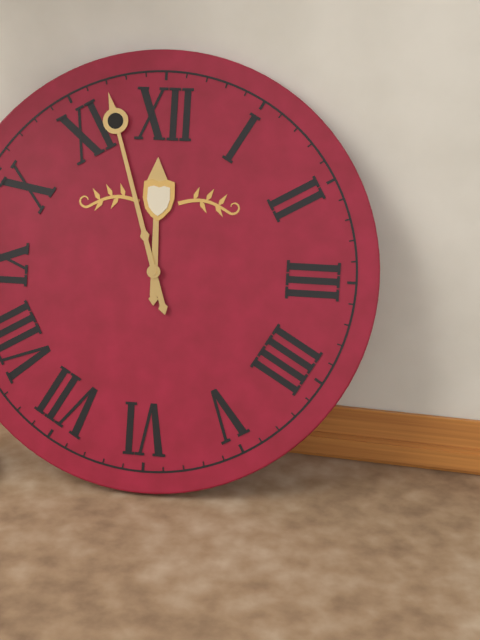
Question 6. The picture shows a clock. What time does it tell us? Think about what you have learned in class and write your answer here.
11:57
